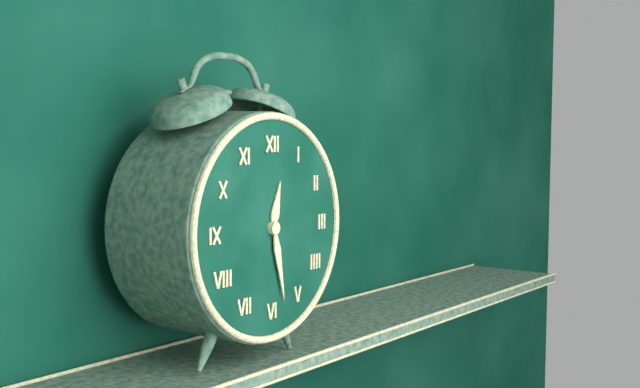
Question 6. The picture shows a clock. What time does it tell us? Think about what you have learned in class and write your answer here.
12:28
